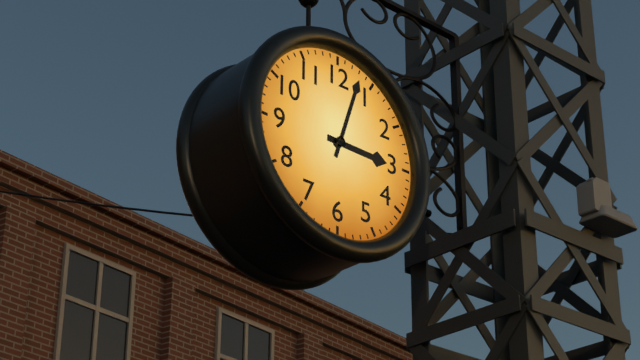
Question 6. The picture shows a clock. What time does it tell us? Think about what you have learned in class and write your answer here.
3:03
